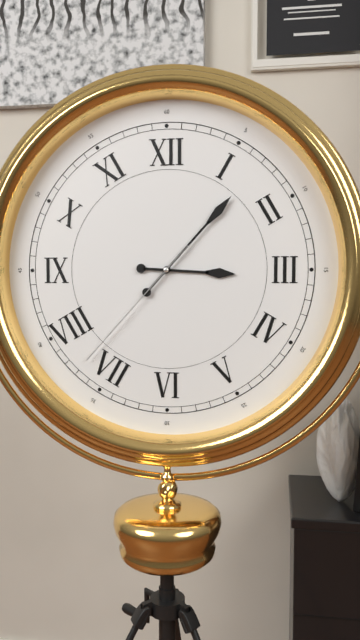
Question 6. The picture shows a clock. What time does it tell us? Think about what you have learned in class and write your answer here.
3:07:37
